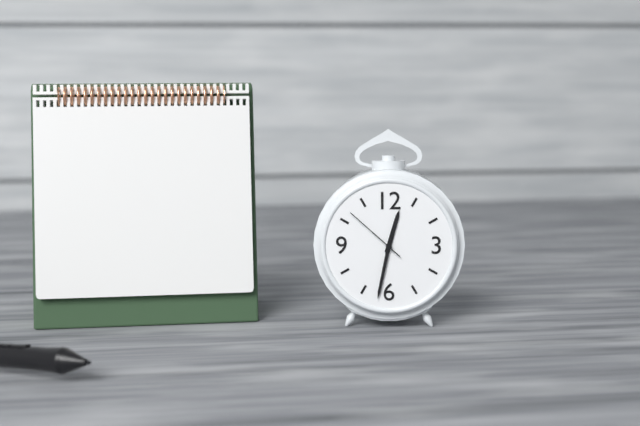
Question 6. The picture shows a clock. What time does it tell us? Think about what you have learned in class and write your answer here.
12:32:52
